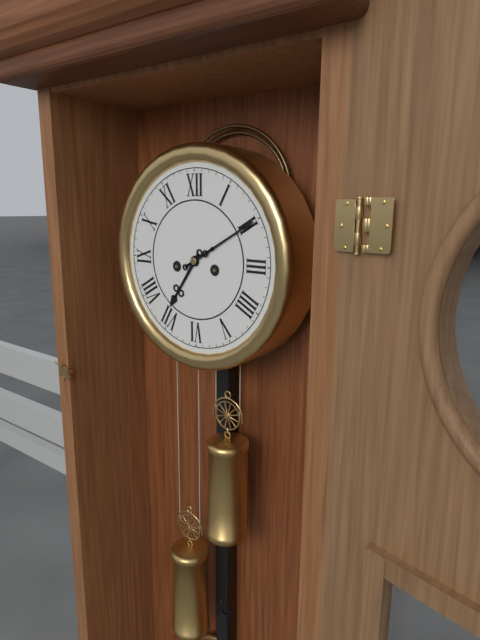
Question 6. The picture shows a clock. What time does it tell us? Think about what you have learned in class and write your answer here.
7:10
